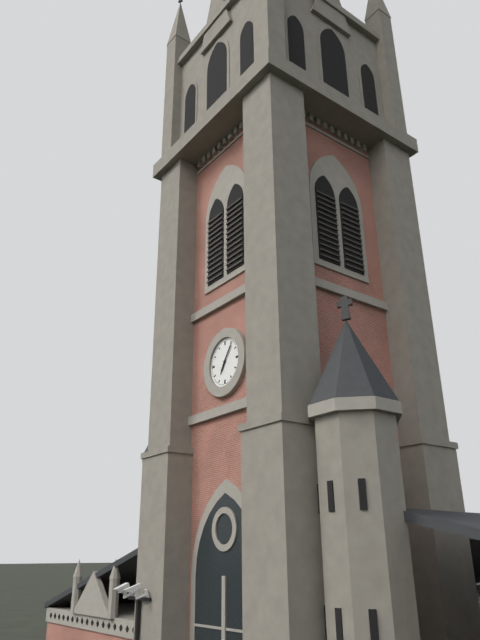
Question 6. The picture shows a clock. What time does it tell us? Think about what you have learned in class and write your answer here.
7:06
